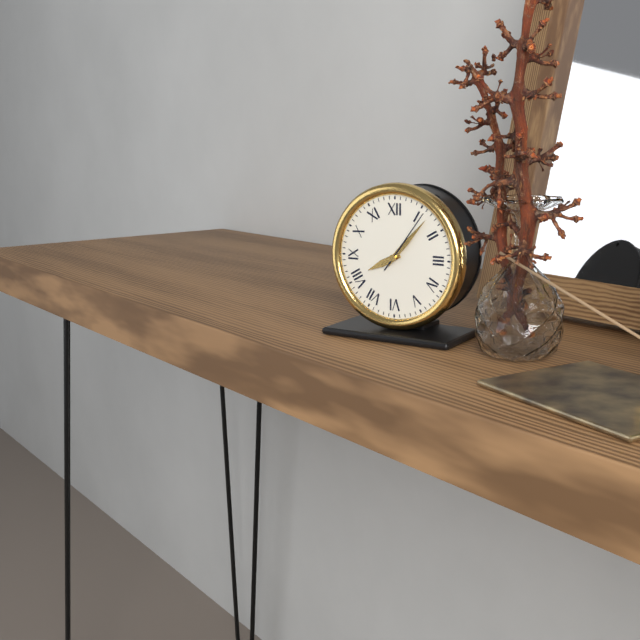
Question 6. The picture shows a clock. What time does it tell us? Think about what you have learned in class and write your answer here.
8:07:06
